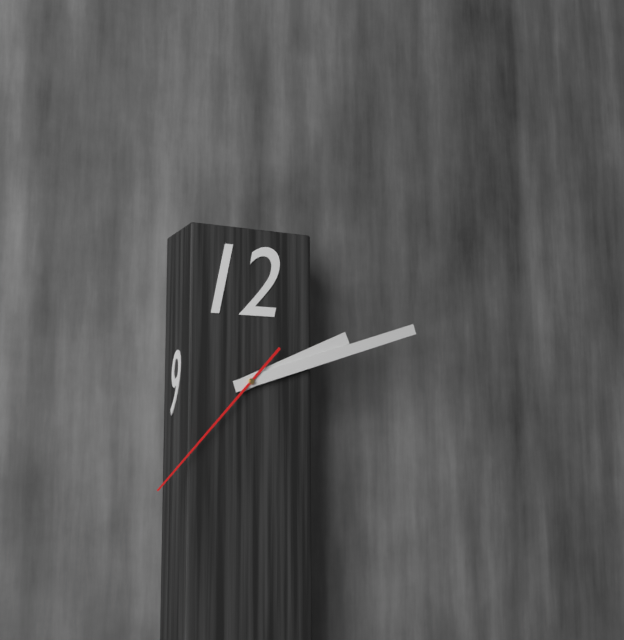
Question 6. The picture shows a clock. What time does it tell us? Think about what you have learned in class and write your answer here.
2:12:37
